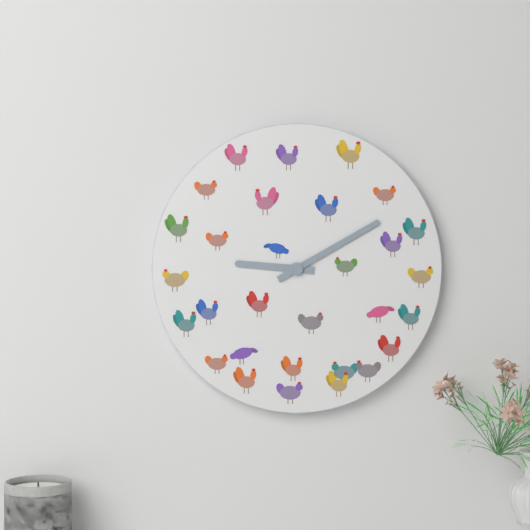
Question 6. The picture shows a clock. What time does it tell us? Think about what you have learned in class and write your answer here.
9:10
